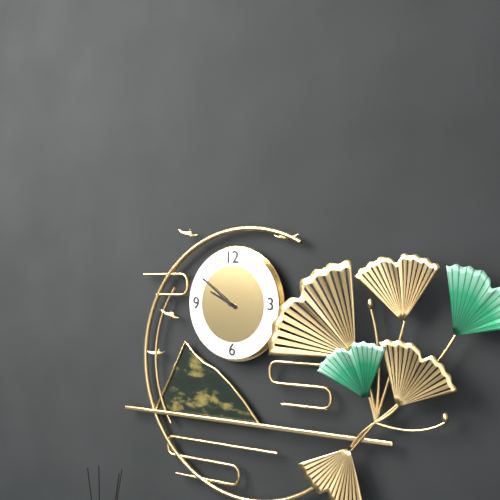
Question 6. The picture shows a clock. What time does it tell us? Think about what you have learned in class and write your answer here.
9:51
